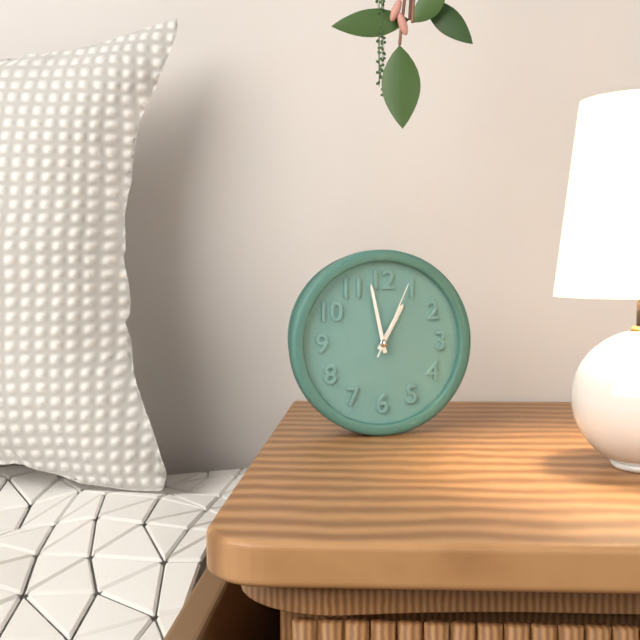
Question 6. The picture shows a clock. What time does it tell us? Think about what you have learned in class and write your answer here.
12:58:04
